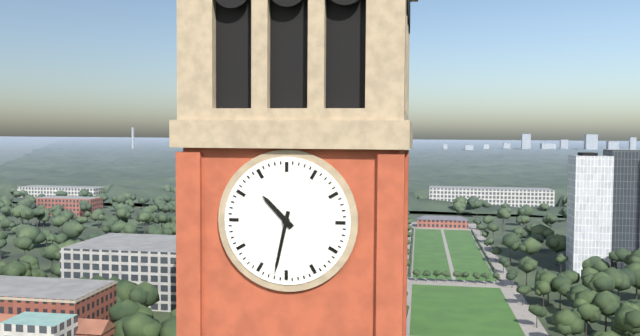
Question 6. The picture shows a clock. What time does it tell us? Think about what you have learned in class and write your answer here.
10:32
